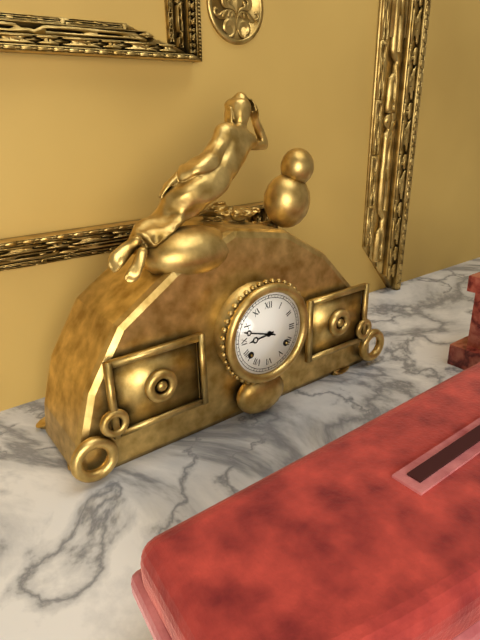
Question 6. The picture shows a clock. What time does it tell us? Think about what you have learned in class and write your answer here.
8:48
